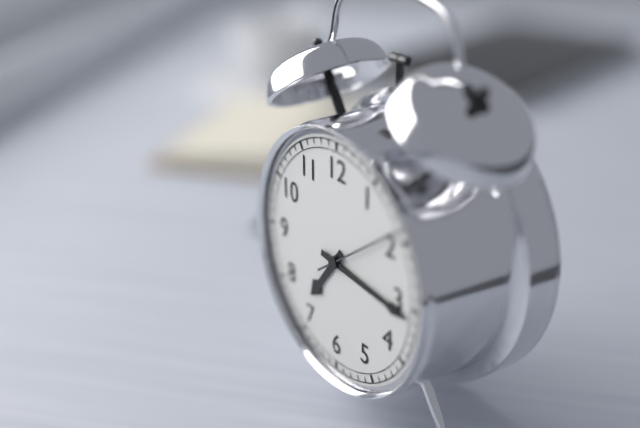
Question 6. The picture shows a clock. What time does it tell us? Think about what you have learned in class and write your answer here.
7:16:09
